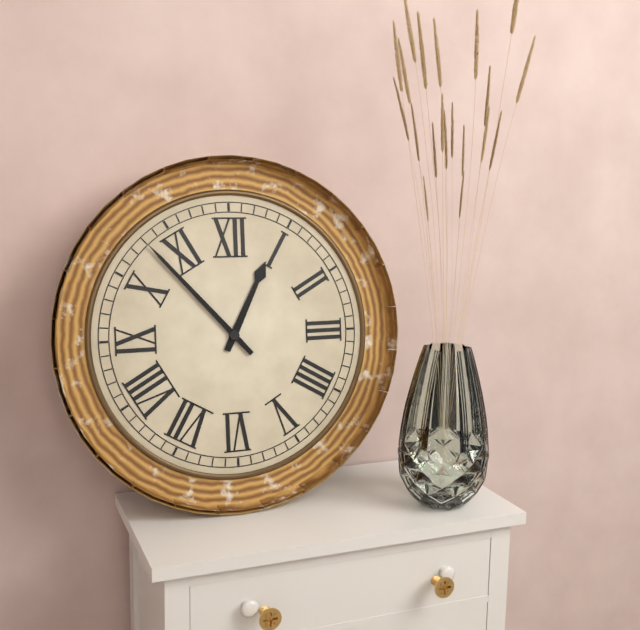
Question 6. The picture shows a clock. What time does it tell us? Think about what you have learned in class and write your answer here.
12:53
